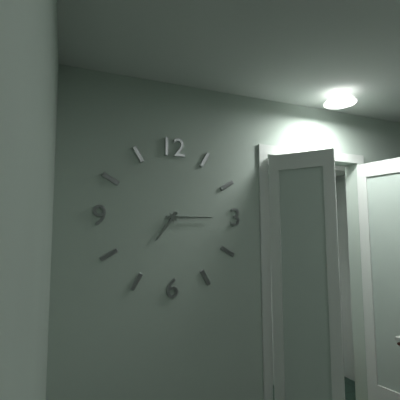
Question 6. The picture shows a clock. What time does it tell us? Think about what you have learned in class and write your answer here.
7:15
